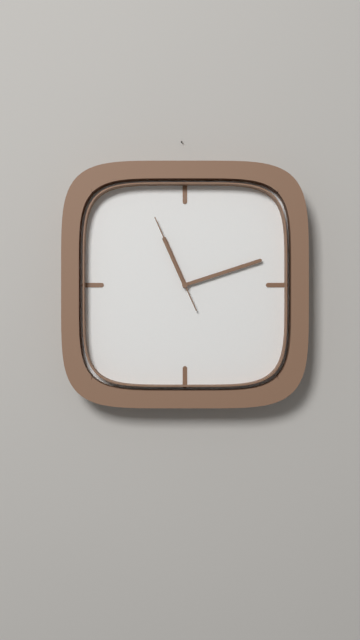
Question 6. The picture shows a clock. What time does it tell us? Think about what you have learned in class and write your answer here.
11:12:56
